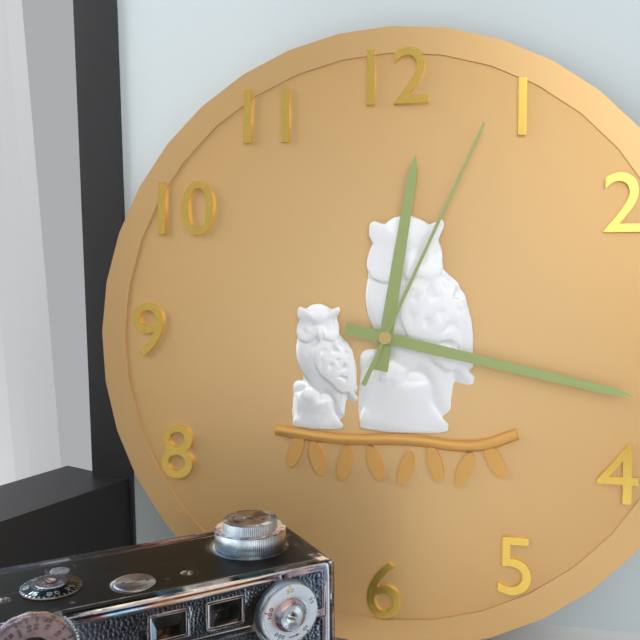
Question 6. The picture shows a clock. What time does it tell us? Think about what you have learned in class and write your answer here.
12:17:04
